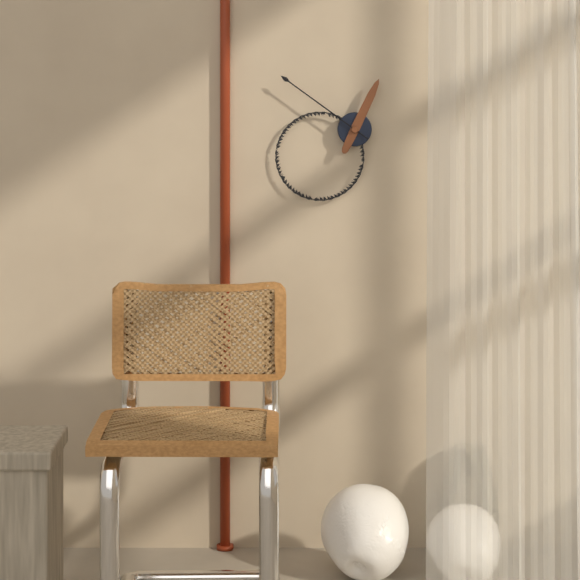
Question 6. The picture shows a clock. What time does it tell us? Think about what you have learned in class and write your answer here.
12:51
